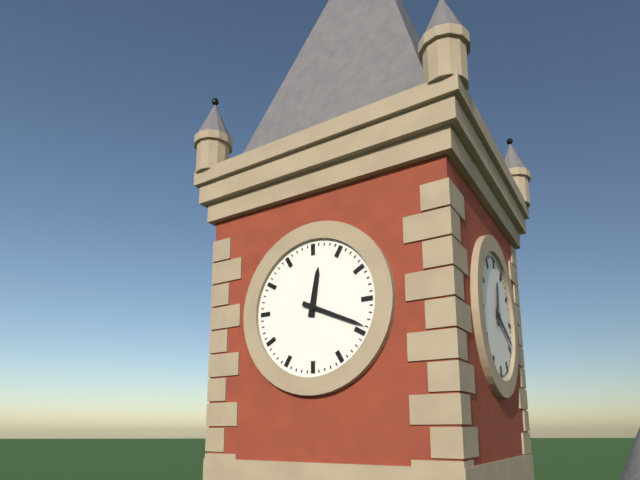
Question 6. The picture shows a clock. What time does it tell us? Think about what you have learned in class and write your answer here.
12:19
